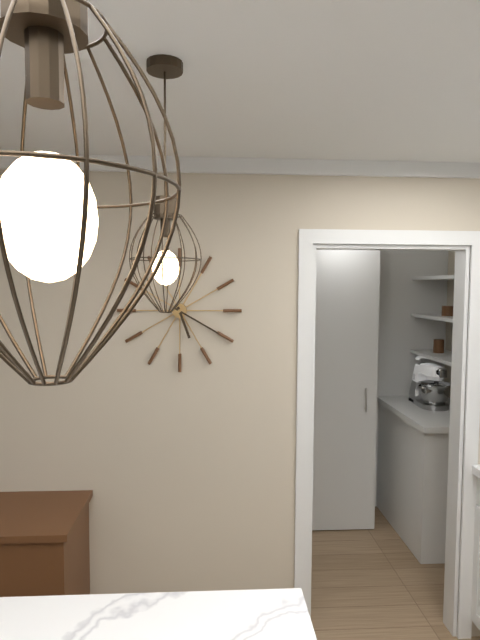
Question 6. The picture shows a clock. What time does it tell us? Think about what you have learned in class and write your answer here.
5:20
